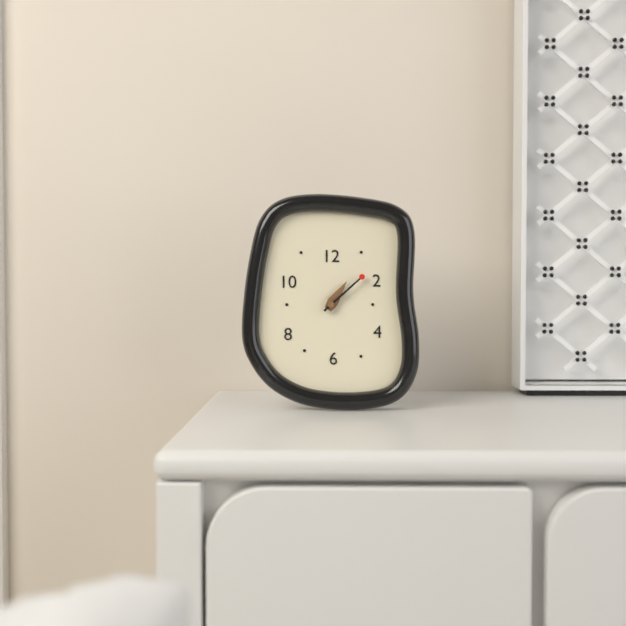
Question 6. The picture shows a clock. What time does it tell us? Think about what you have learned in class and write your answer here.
1:08
